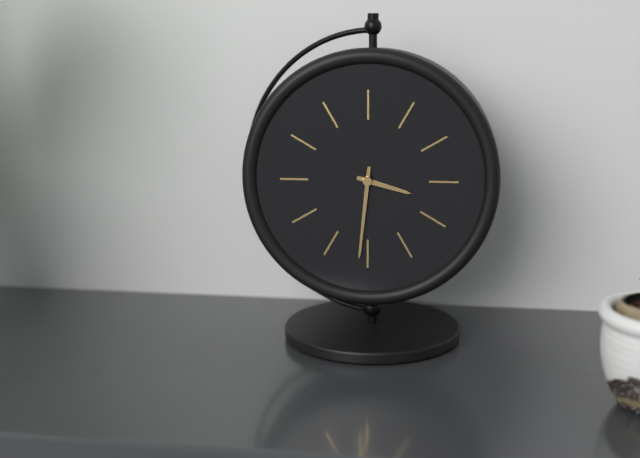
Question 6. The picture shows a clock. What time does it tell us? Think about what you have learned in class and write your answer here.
3:31
